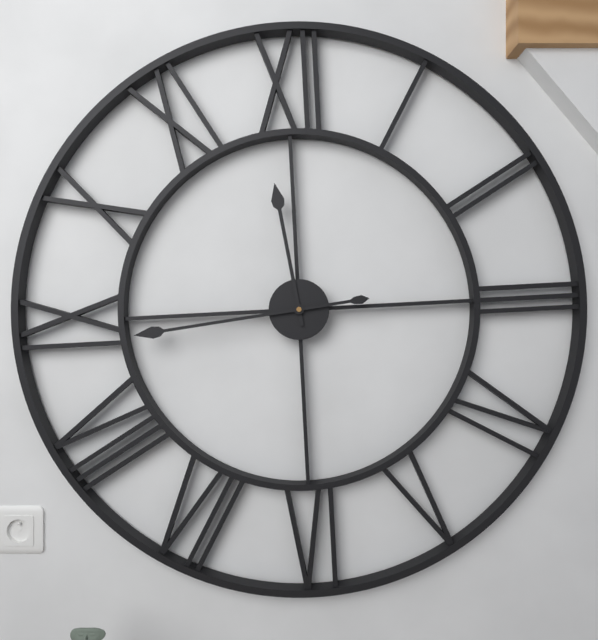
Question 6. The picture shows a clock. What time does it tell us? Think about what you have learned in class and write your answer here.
11:44
